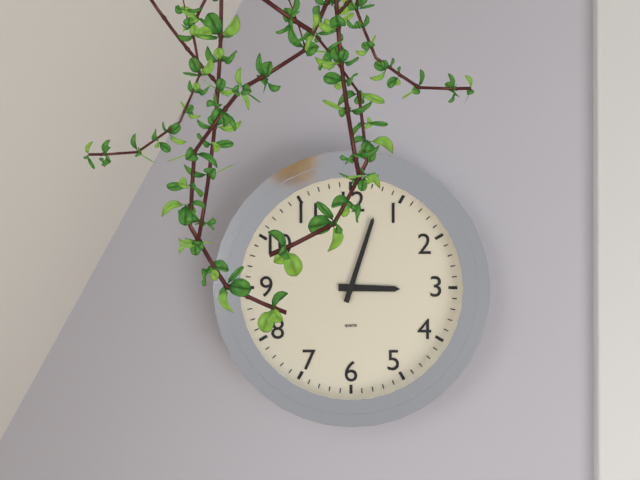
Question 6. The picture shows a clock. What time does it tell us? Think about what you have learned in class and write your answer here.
3:03
